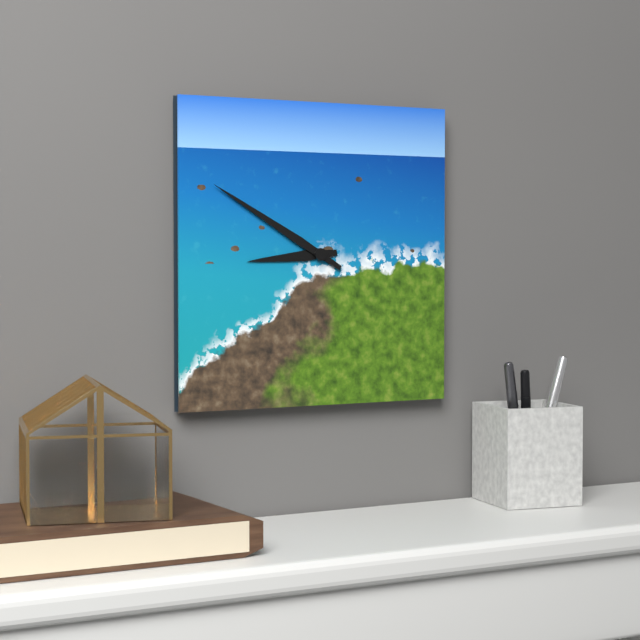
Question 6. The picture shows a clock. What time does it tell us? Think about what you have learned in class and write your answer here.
8:50
